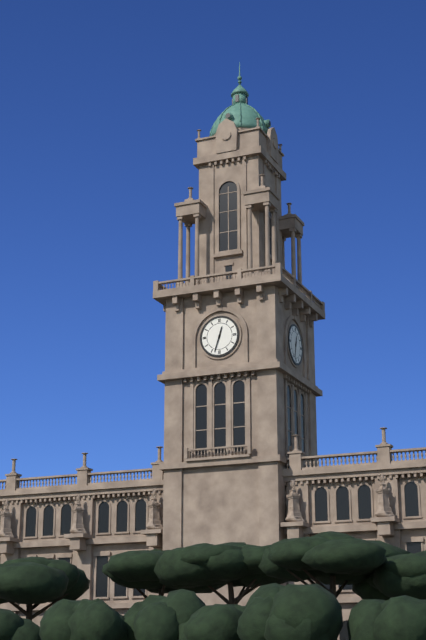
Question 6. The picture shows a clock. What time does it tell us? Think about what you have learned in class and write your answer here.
12:33
